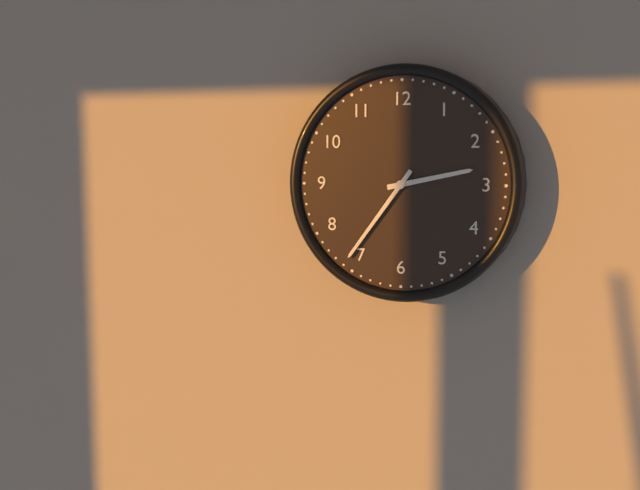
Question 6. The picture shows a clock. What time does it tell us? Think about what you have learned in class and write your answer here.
2:36
